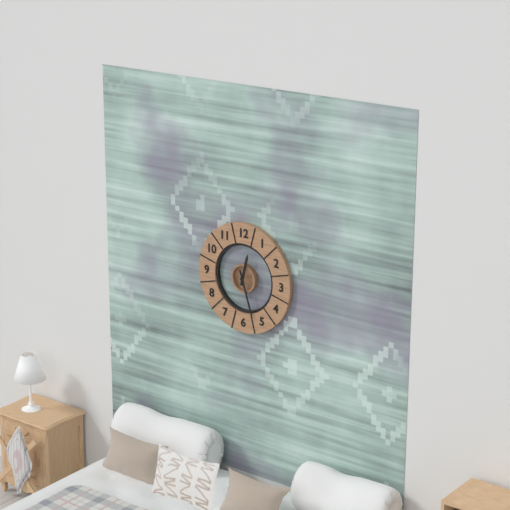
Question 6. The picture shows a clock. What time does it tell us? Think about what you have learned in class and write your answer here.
12:27
